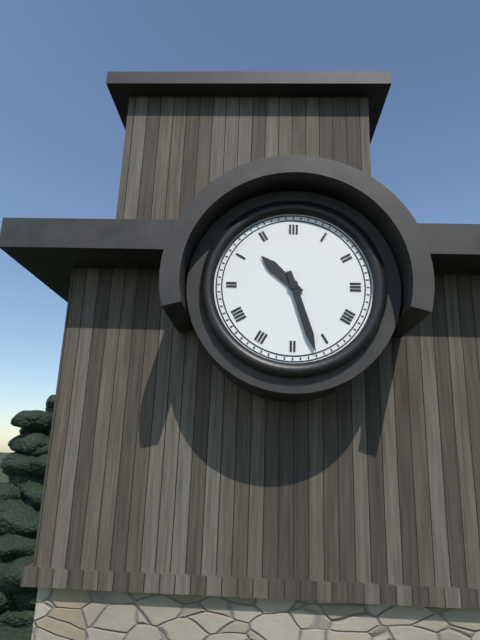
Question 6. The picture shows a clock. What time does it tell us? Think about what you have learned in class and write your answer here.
10:27
